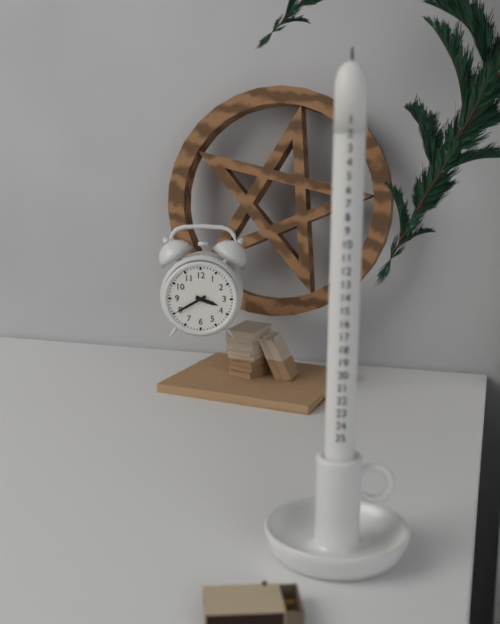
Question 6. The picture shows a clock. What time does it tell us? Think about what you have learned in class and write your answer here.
3:40
